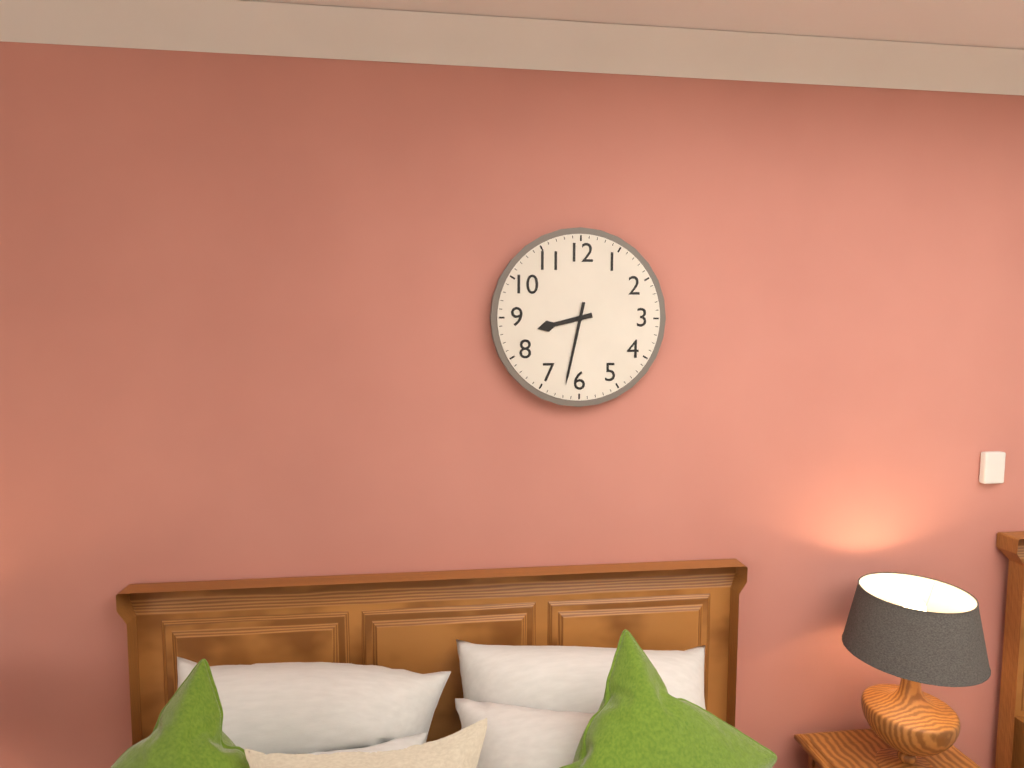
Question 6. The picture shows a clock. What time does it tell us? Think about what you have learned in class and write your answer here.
8:32
